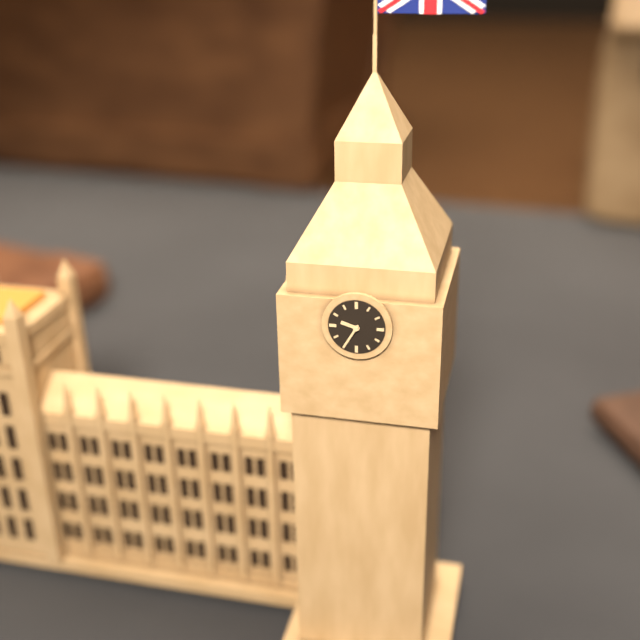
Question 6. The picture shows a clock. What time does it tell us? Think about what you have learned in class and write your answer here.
9:35
